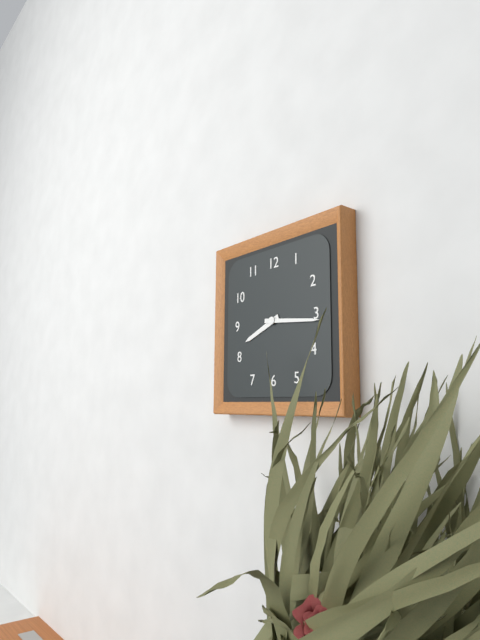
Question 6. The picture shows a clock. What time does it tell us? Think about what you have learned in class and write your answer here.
8:16
